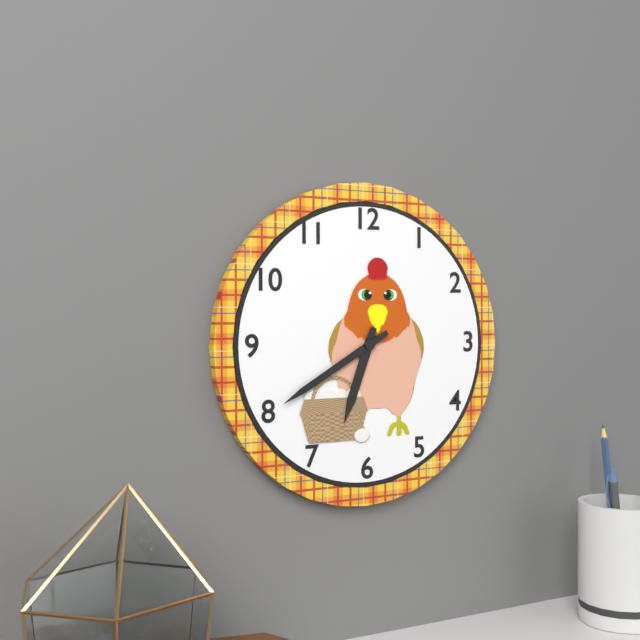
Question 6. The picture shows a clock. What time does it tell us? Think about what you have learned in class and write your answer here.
6:40
